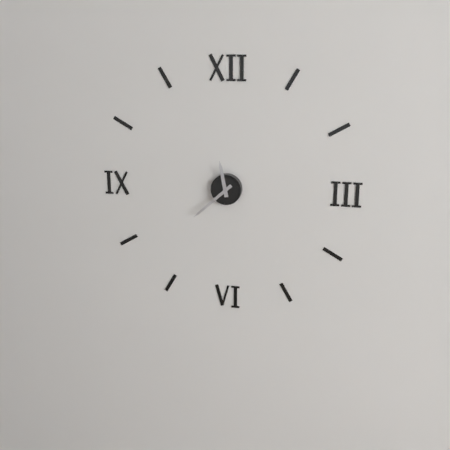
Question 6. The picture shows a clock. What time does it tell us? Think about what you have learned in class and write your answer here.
11:38
